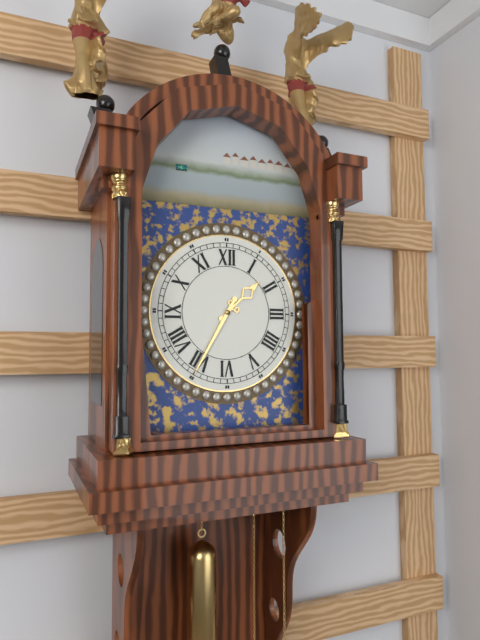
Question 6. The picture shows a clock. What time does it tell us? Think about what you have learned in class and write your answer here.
1:35
